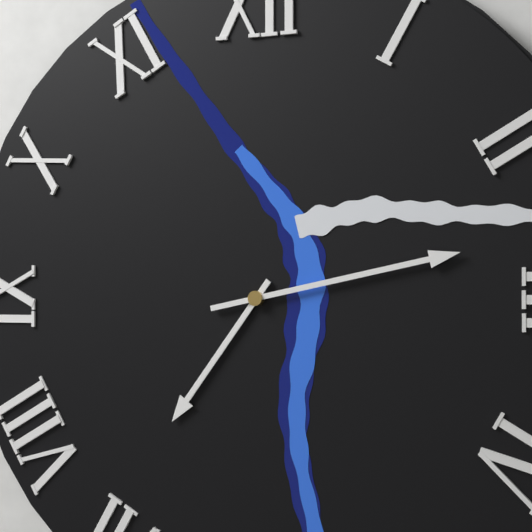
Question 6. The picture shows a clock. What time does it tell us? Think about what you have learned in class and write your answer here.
7:13
